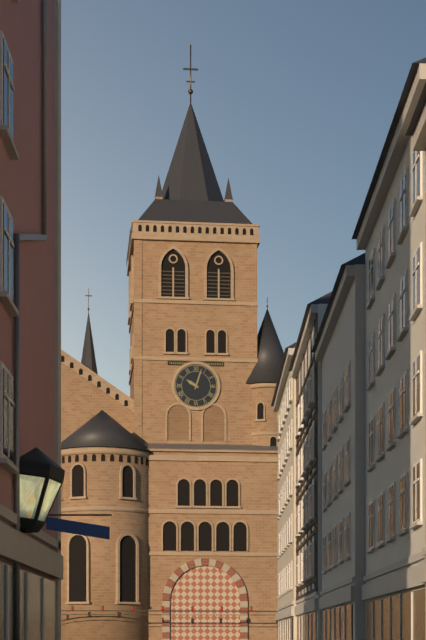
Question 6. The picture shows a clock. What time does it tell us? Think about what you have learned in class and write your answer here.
10:03
